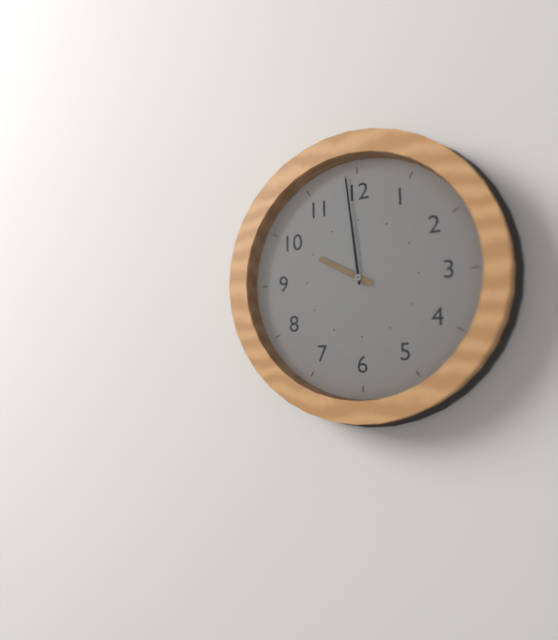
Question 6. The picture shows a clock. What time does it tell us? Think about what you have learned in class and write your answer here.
9:59
